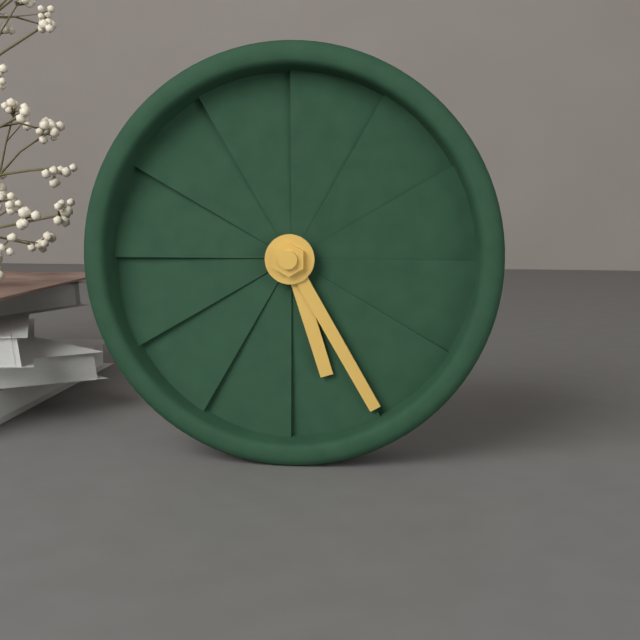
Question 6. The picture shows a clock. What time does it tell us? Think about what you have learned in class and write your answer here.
5:25
